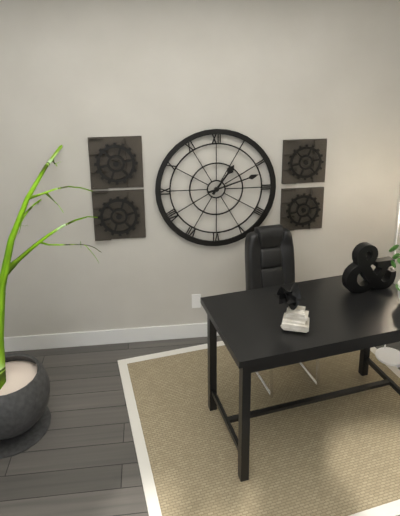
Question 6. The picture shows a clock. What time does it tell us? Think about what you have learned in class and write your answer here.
1:12
